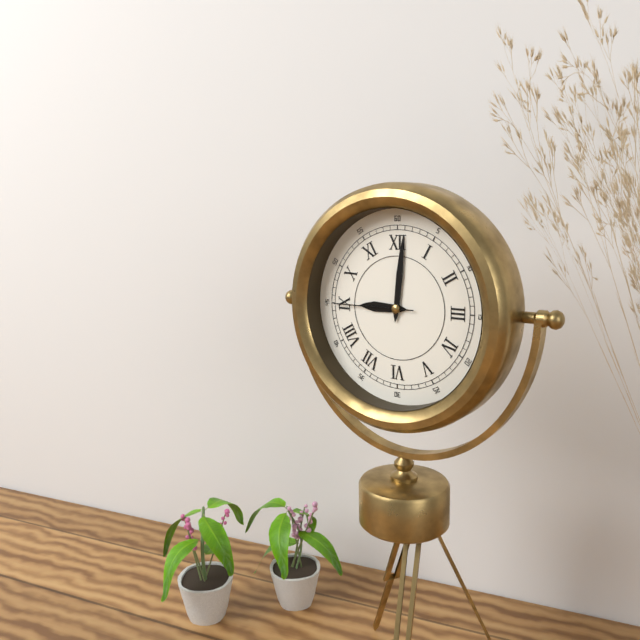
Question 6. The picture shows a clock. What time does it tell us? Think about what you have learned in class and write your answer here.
9:01:45
